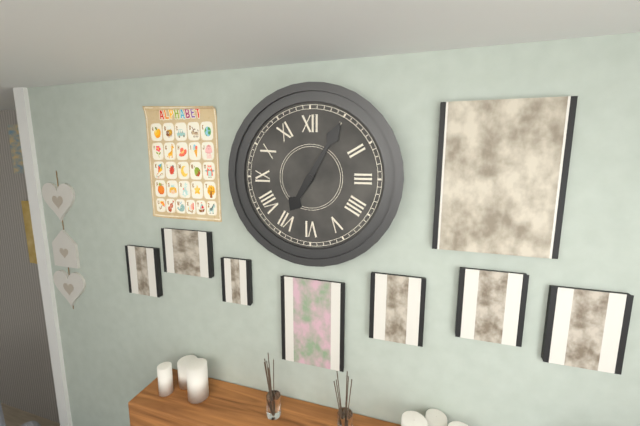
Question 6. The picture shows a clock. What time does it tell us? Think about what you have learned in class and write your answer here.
7:05
